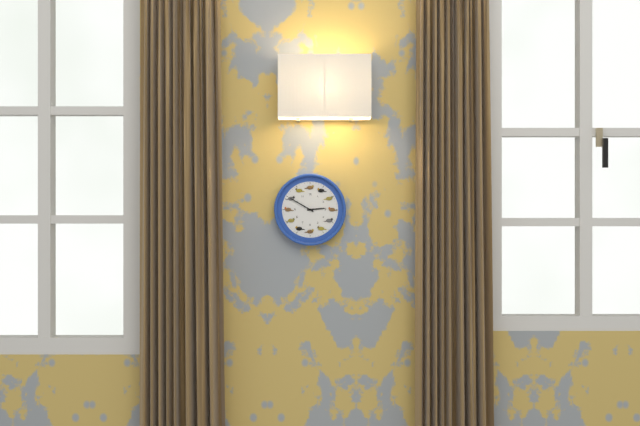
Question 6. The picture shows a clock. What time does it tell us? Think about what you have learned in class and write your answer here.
2:50
